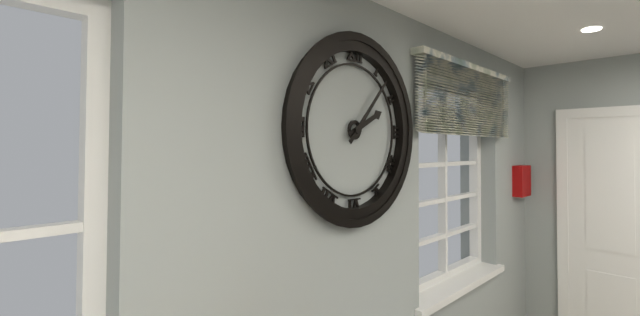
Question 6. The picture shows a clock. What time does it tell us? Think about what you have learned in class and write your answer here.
2:07
